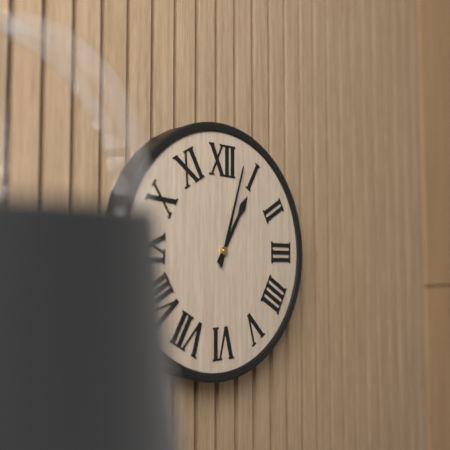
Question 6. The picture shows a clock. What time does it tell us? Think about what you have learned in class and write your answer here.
1:03
